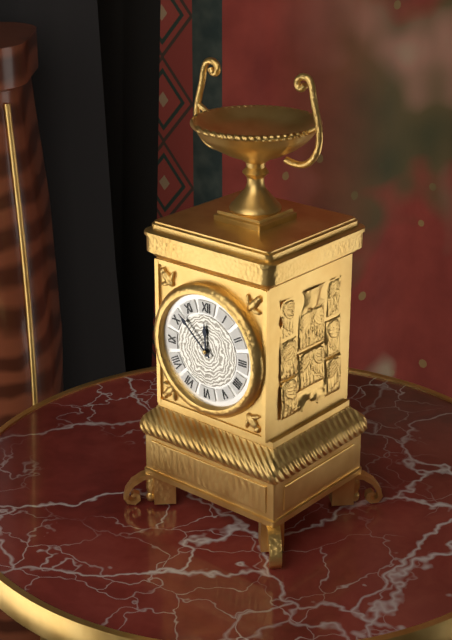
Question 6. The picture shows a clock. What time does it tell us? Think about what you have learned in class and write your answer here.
11:52
